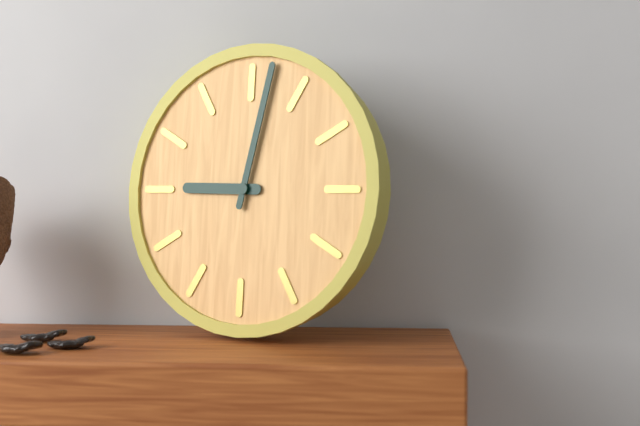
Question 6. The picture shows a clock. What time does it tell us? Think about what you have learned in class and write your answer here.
9:02
